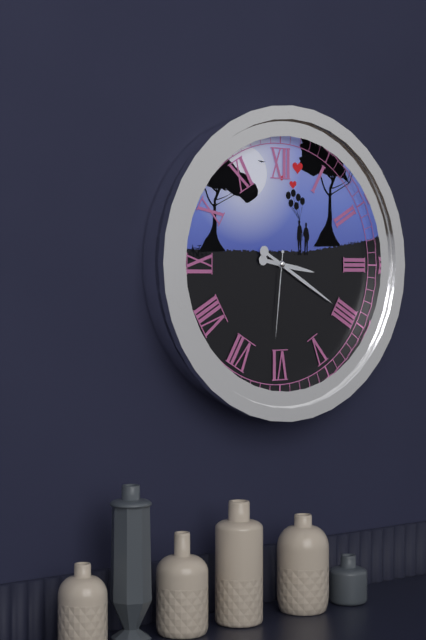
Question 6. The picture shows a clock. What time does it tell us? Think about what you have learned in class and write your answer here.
3:20:31
